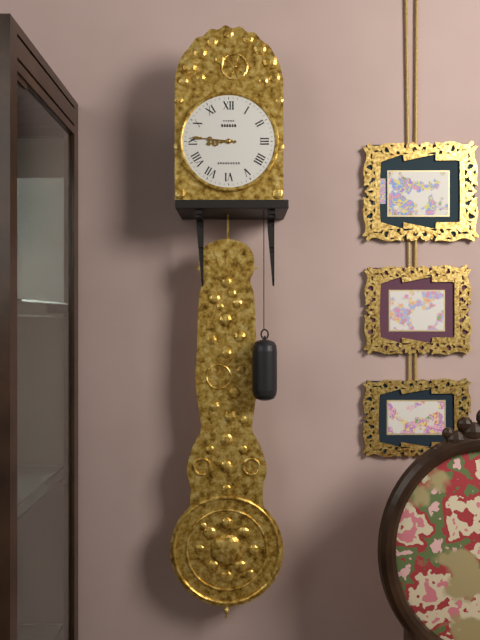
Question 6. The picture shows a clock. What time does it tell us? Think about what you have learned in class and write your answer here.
8:46
